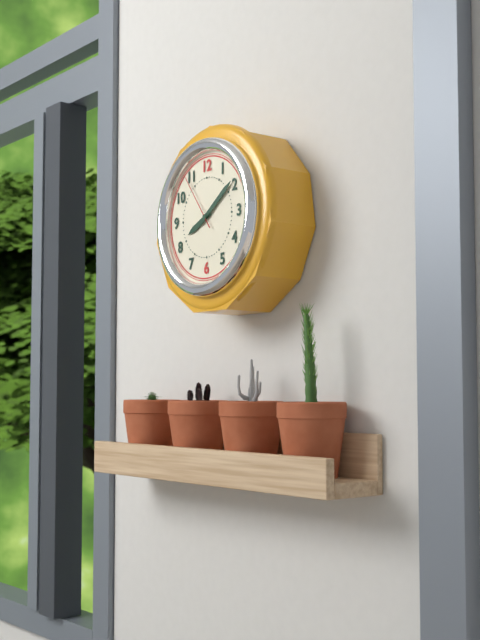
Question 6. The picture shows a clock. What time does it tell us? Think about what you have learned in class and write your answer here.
8:09:54
